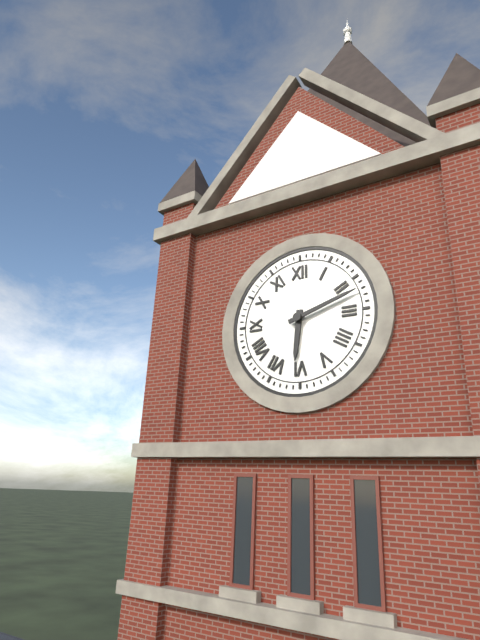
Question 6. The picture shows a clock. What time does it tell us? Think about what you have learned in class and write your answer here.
6:12
